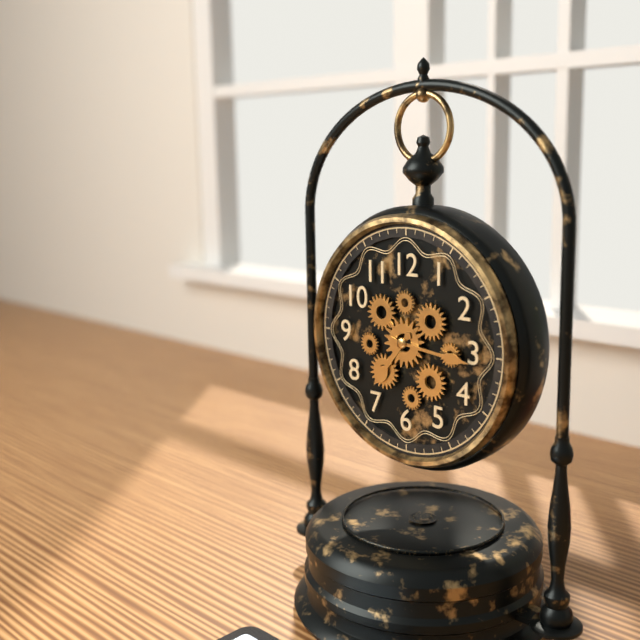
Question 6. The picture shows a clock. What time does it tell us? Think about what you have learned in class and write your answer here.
7:16
